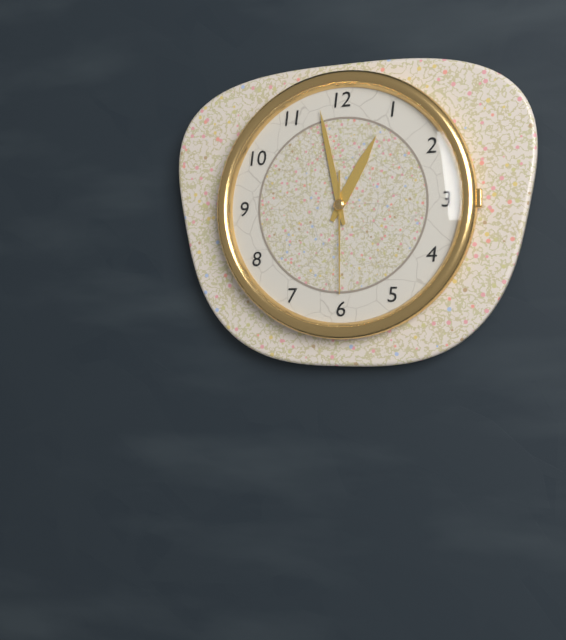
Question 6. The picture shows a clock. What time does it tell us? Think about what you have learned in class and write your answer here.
12:58:30
